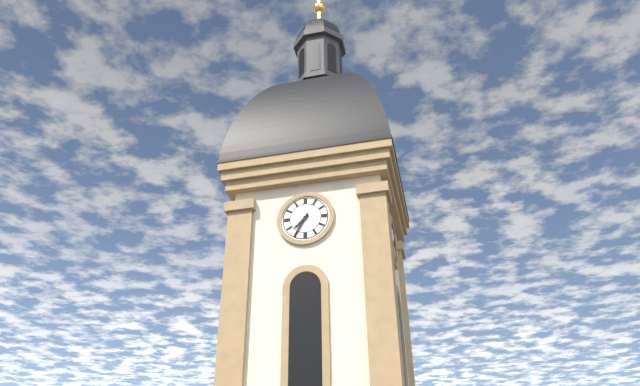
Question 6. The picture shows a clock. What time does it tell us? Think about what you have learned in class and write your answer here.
7:35
